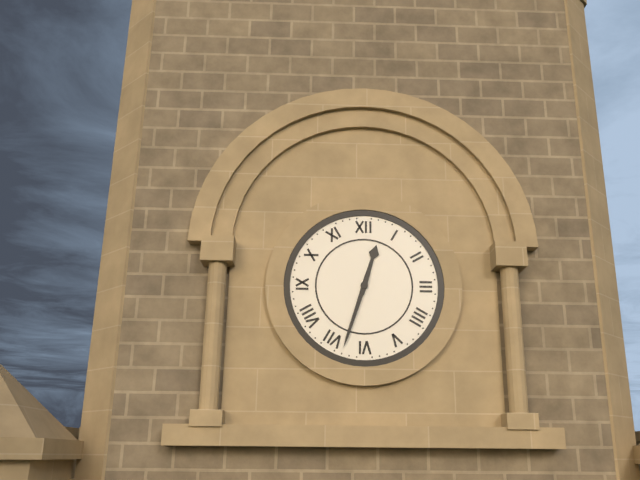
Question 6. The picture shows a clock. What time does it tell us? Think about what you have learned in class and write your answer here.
12:33
